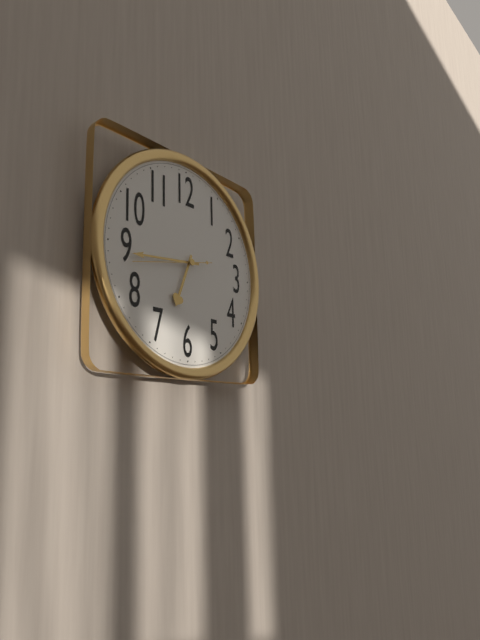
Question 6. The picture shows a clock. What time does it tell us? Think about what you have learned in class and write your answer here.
6:44:43
